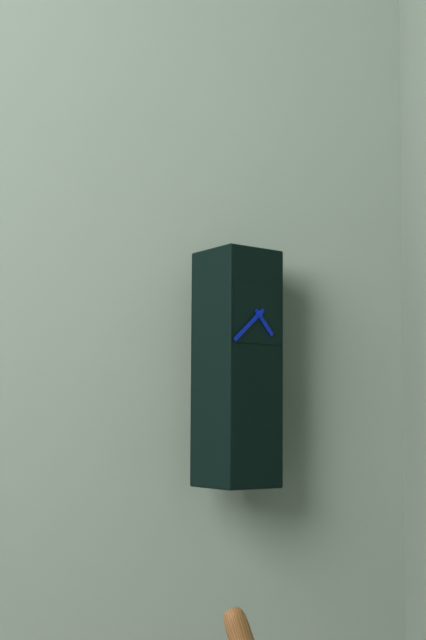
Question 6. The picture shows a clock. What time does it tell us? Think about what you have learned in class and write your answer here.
4:38
